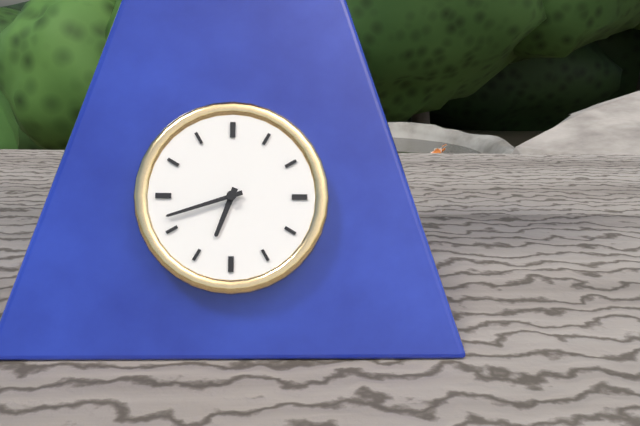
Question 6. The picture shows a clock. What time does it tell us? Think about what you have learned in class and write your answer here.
6:42
